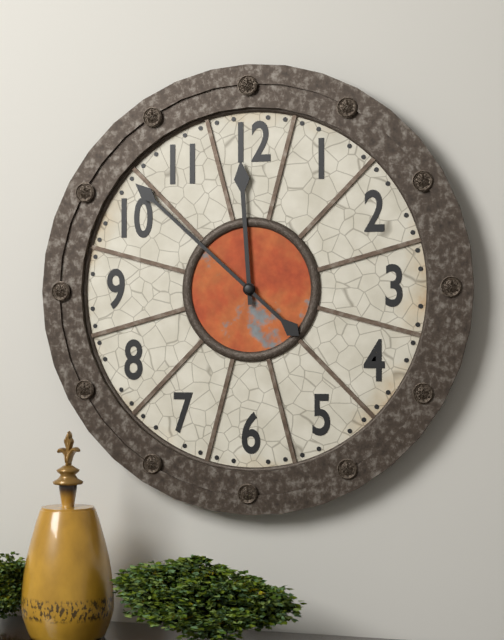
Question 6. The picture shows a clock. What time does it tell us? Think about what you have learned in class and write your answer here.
11:52
